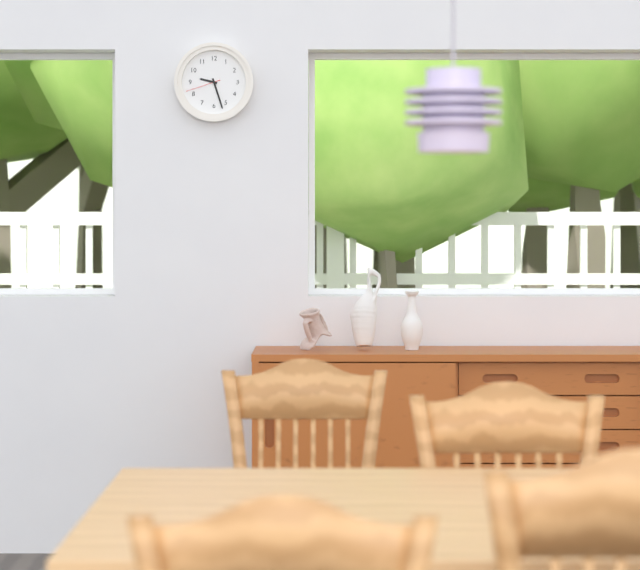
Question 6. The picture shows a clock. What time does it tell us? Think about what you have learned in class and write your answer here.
9:27
